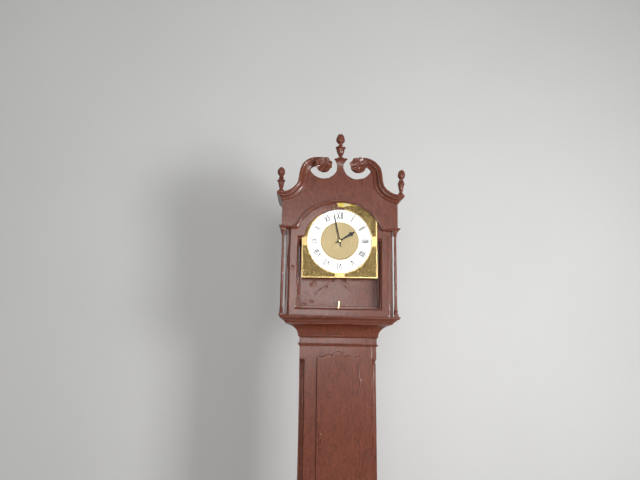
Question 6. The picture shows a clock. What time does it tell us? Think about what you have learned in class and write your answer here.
1:58
